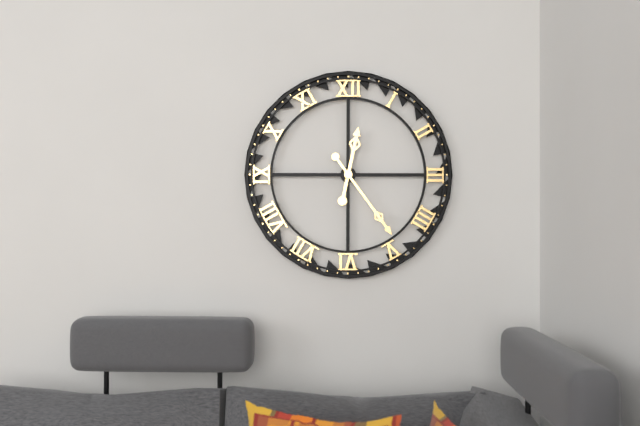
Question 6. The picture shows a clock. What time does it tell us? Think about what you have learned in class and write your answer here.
12:24
